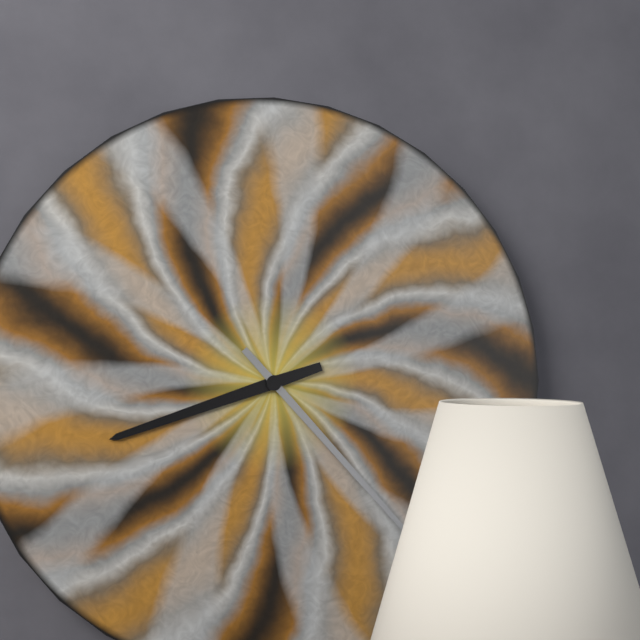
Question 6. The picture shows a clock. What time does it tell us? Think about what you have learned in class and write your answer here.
8:23
